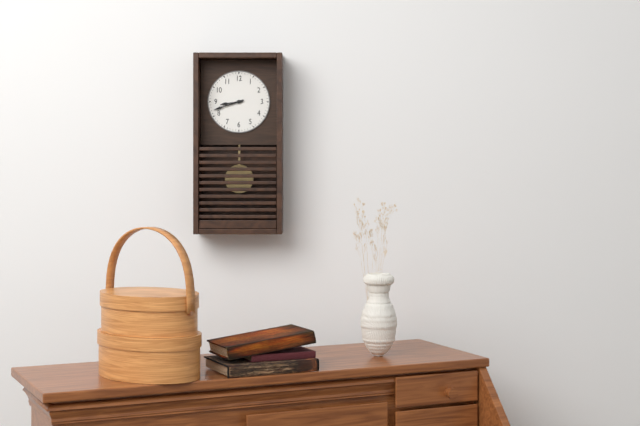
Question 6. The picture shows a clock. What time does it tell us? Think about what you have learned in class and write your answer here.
8:42
